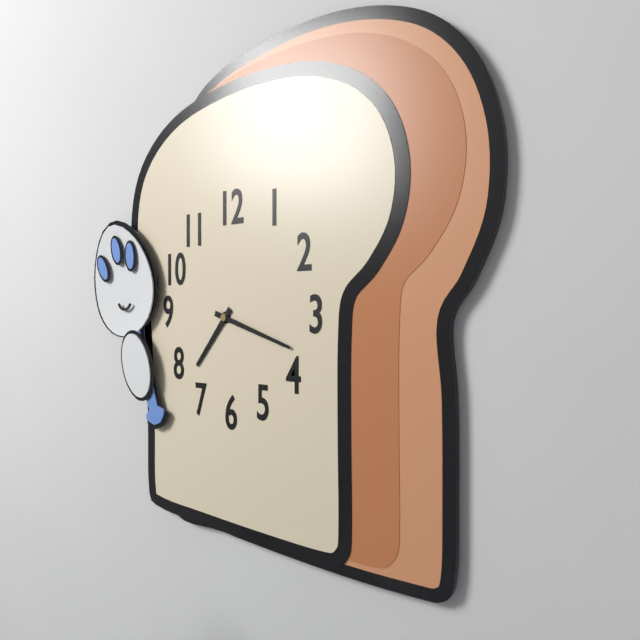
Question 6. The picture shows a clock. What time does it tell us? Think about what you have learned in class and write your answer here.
7:18
